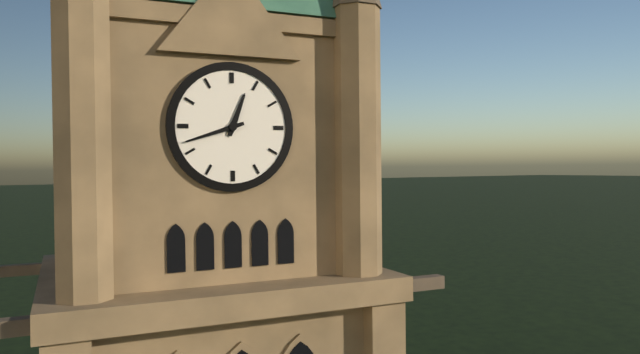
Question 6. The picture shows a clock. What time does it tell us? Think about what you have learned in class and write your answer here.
12:42
